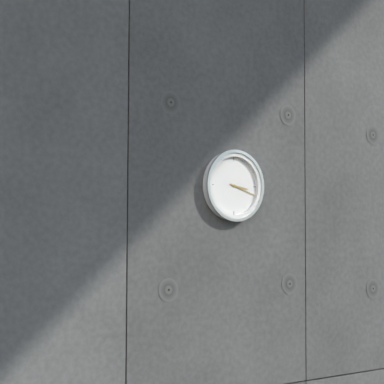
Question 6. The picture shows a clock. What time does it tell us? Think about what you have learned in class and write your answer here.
3:18
